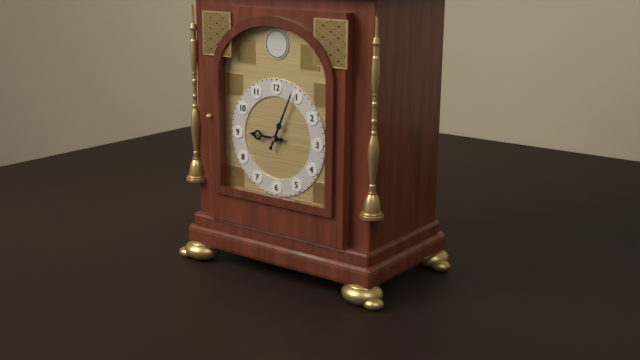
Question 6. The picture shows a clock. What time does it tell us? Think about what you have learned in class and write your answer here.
9:04
